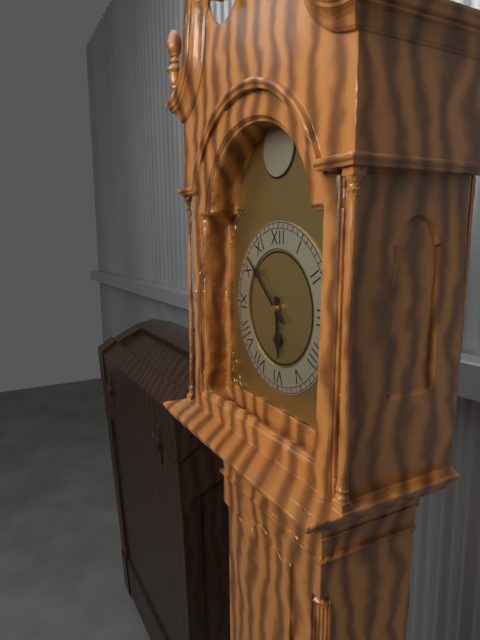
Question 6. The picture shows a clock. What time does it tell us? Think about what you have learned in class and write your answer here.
5:52
